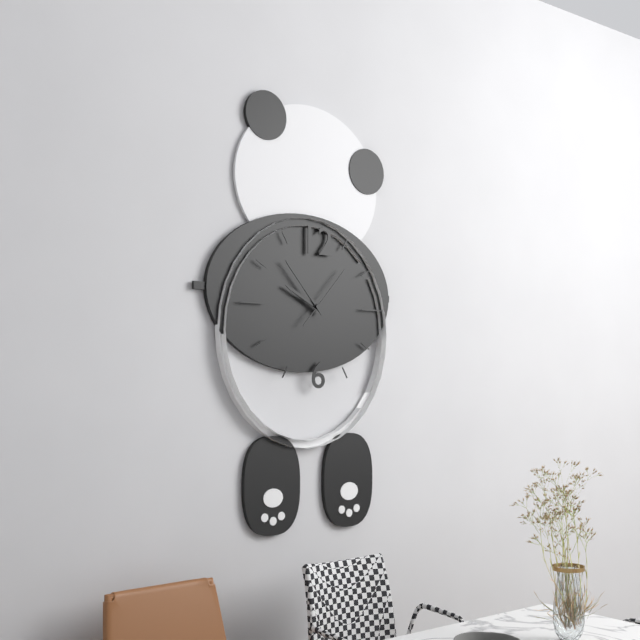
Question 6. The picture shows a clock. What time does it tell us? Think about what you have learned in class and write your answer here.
9:53:07
